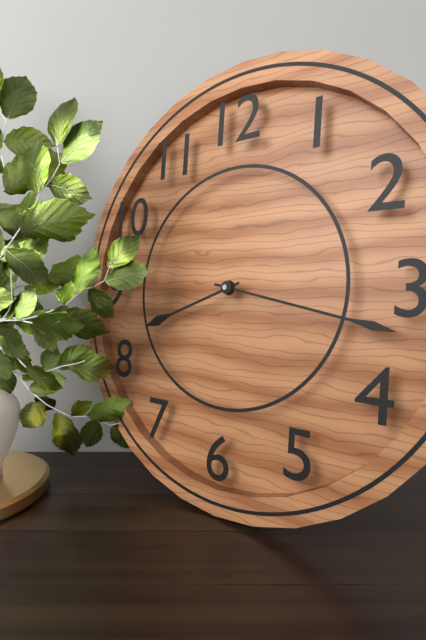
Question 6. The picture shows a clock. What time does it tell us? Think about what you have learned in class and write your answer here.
8:17
